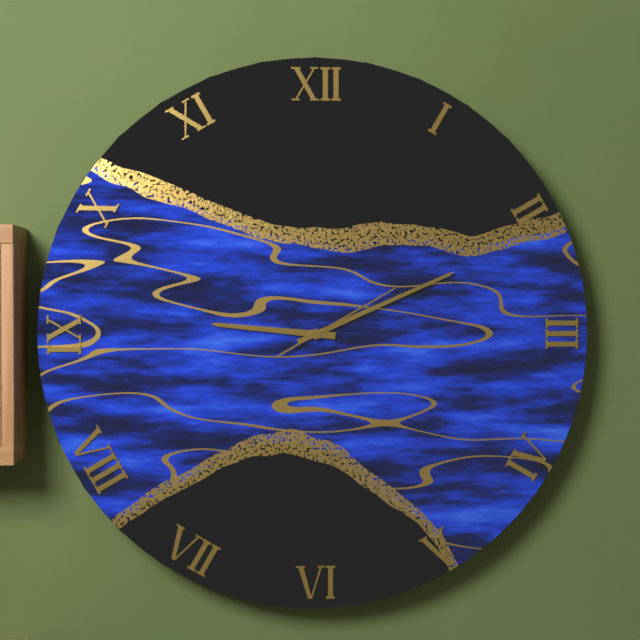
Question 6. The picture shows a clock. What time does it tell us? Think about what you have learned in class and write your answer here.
9:11:10
